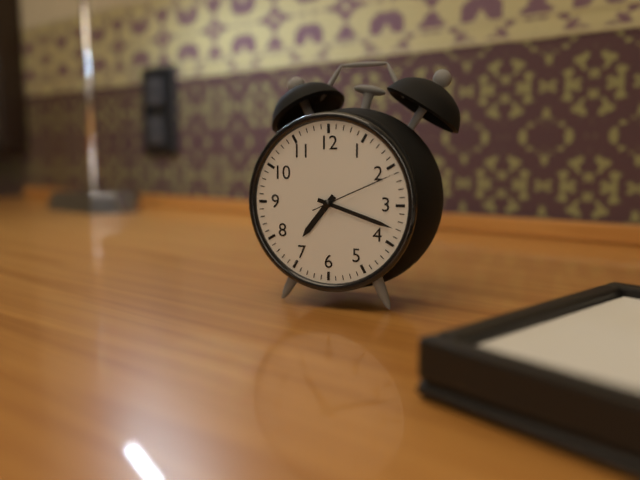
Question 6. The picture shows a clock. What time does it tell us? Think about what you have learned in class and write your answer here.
7:18:11
